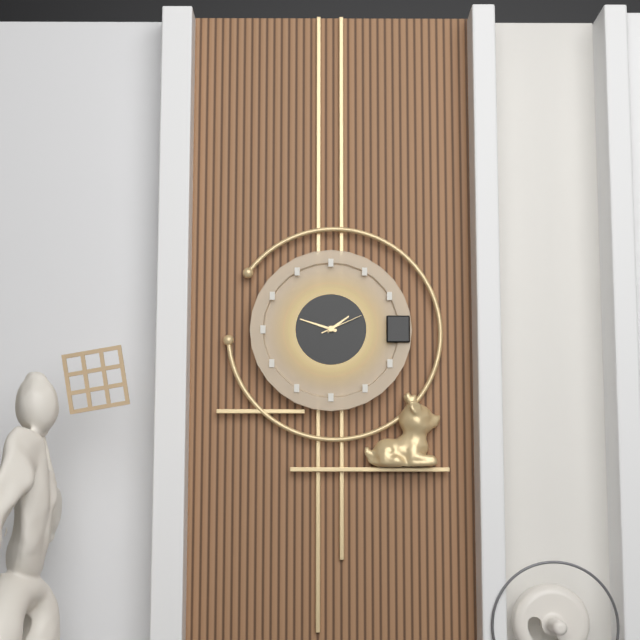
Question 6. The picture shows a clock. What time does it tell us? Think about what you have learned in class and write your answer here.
1:48
